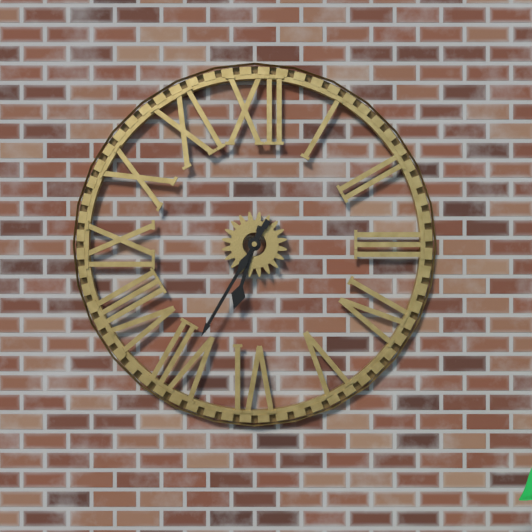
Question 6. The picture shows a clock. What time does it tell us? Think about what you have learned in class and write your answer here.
6:35
